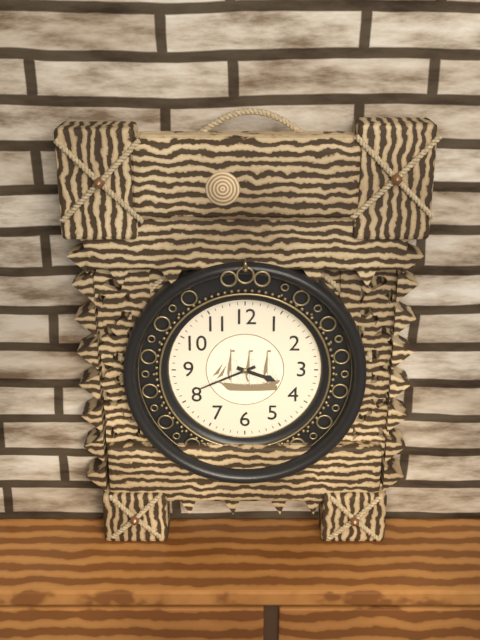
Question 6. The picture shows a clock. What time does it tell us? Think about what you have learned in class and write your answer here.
3:41
